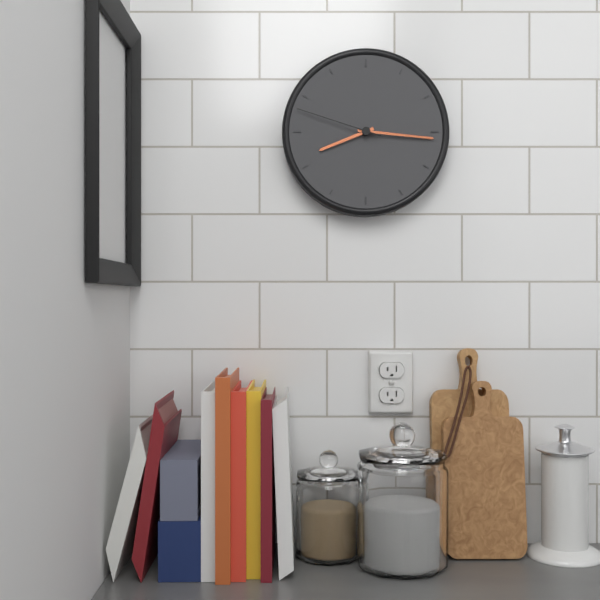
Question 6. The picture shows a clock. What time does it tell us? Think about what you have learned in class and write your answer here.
8:16:48
